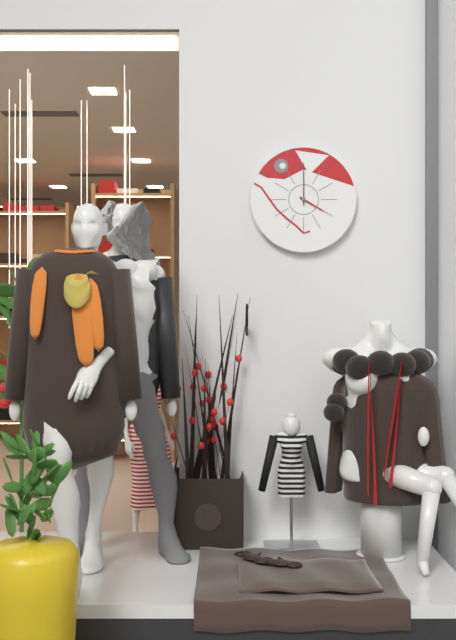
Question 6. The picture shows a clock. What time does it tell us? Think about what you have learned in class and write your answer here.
4:00
